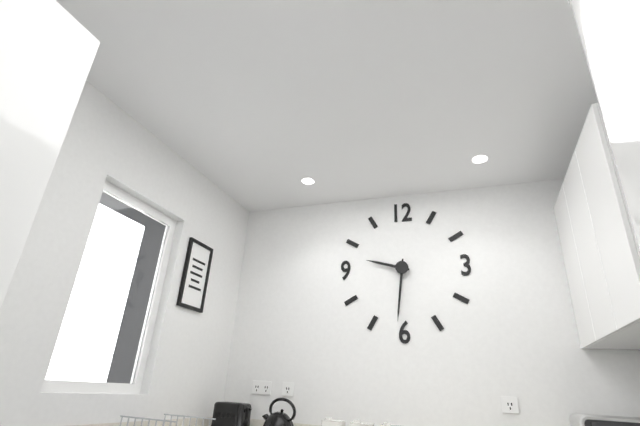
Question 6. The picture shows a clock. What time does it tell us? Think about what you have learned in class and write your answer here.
9:31
